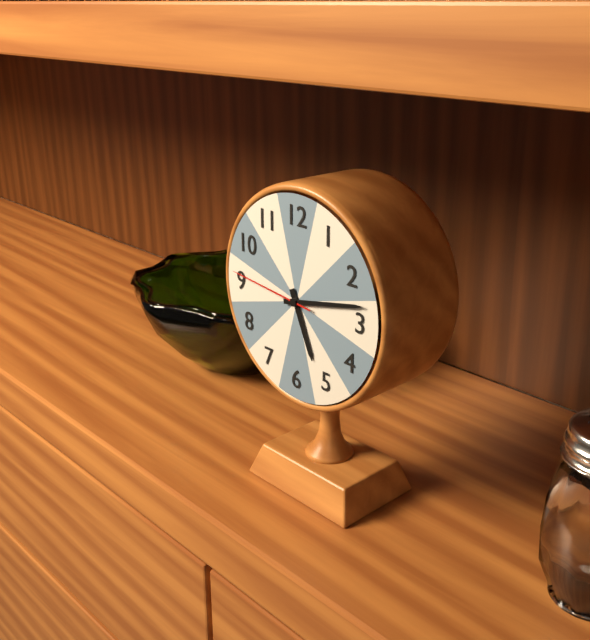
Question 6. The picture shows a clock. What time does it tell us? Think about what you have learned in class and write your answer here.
5:13:46
